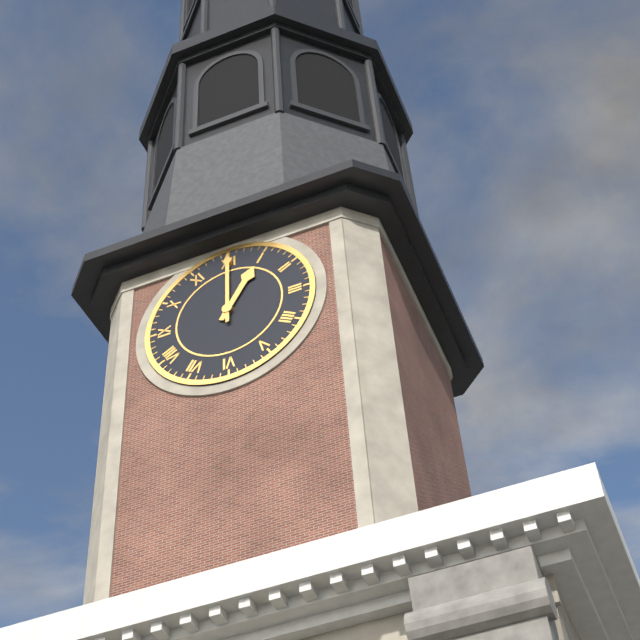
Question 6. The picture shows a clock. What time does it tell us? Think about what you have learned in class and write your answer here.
1:00
